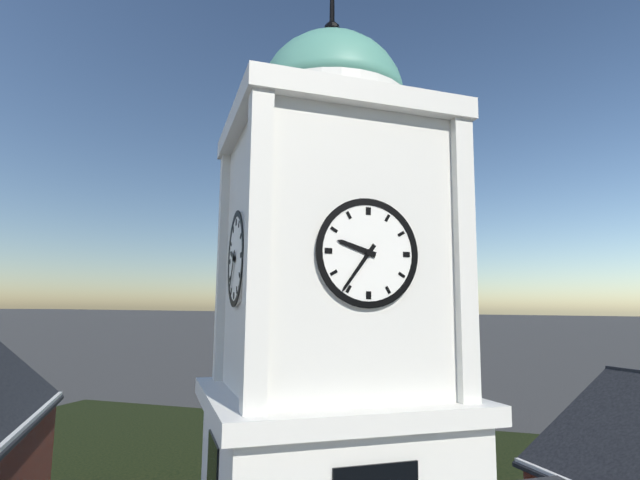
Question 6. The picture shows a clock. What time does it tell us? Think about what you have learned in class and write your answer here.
9:36
